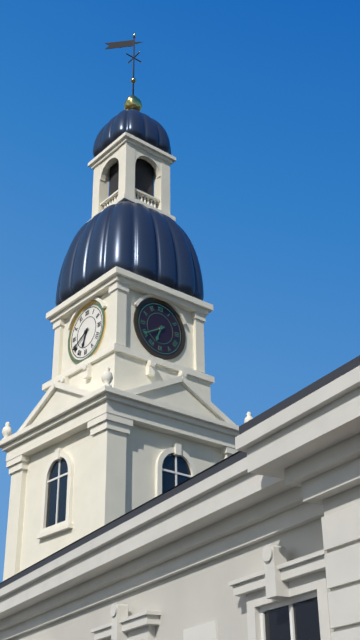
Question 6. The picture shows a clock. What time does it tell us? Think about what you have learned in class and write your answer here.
6:40
